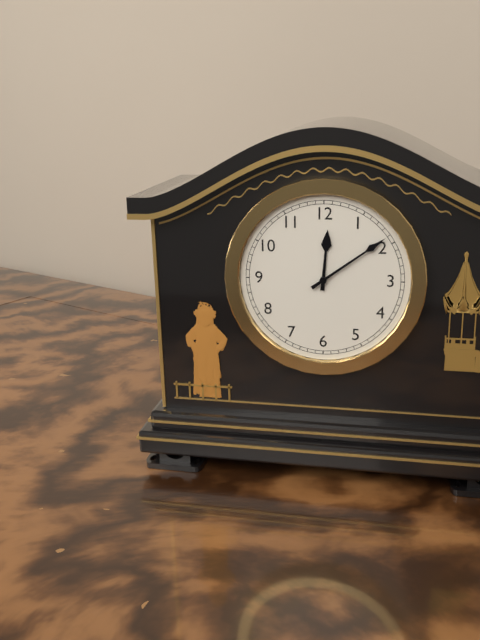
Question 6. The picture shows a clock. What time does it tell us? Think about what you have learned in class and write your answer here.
12:09
